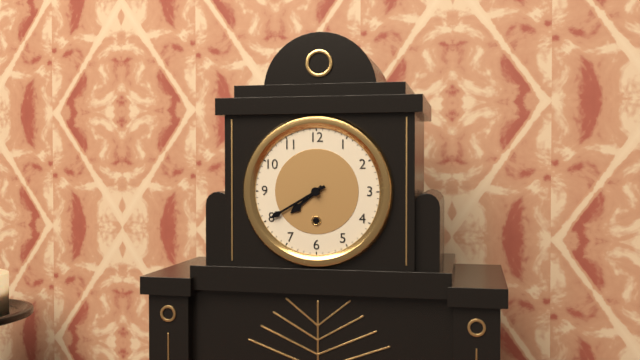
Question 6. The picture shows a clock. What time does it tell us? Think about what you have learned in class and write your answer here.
7:40
